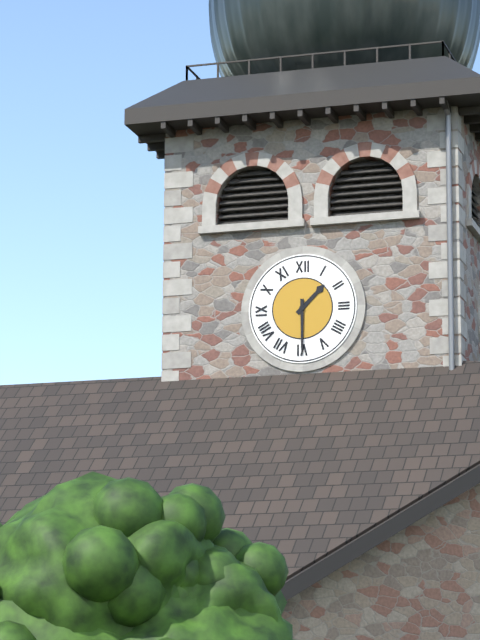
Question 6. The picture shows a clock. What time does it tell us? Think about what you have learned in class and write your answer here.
1:30
